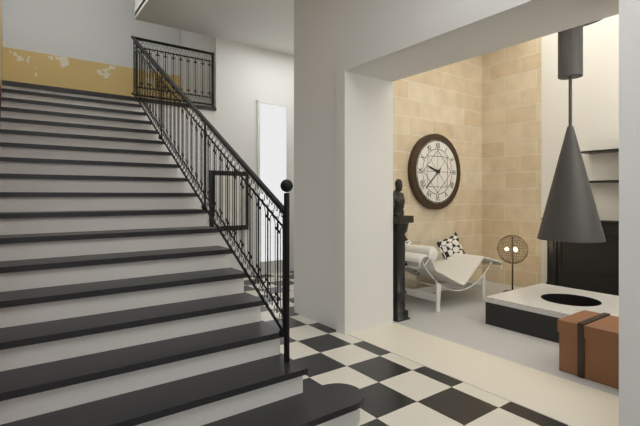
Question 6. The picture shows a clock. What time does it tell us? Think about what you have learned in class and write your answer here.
9:38
